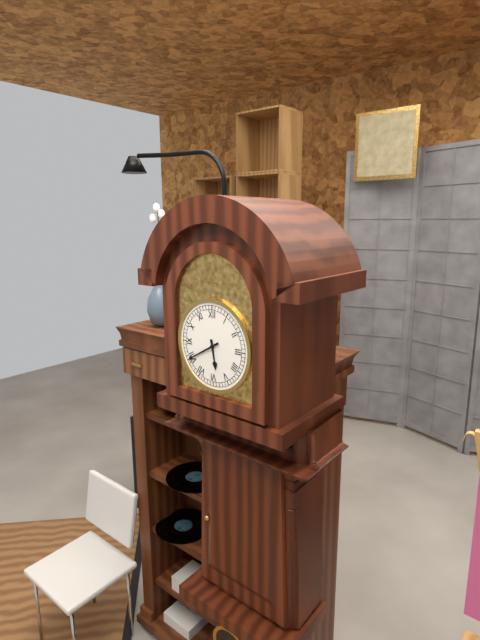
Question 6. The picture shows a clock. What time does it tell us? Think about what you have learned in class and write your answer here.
5:40
